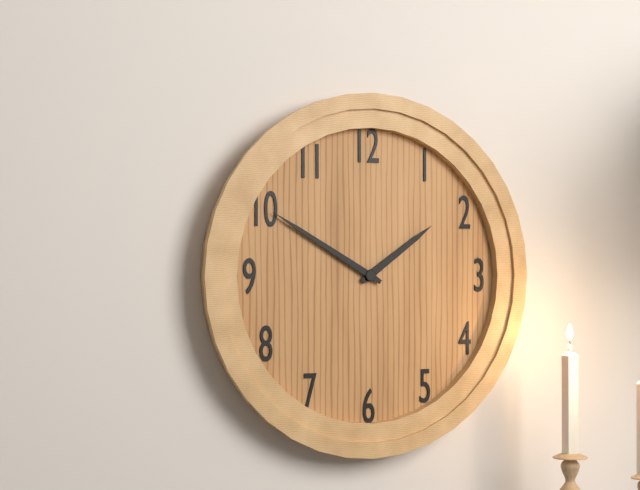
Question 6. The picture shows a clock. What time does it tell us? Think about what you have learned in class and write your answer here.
1:50
